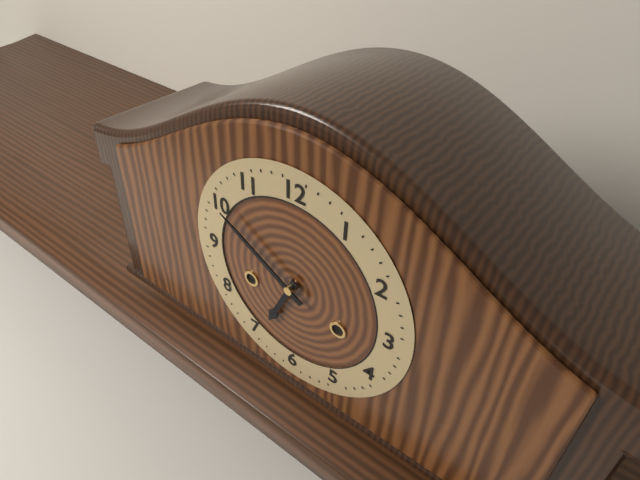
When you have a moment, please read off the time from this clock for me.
6:50
